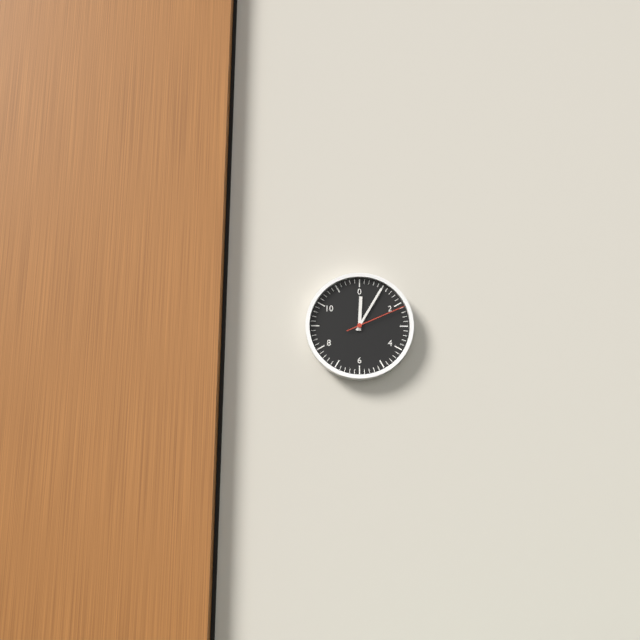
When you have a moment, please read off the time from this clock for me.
12:05:11
